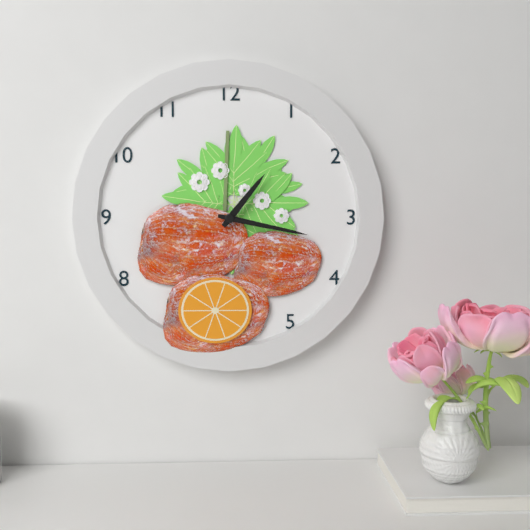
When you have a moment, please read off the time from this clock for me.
1:17
